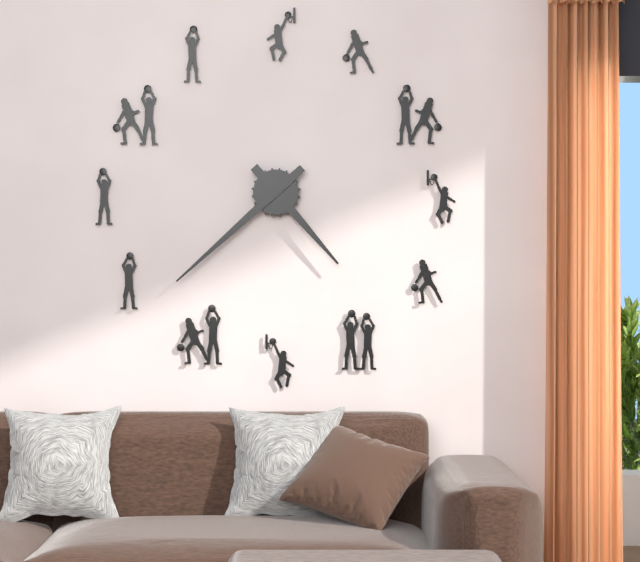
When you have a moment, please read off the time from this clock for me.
4:38
